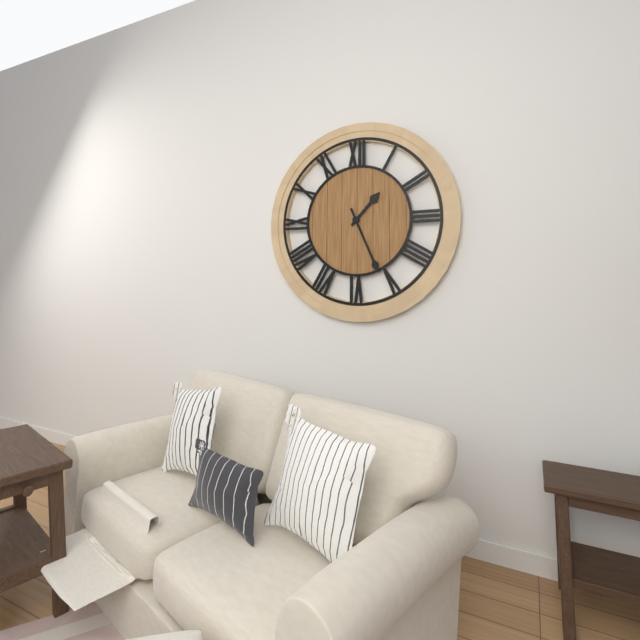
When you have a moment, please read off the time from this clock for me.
1:26
